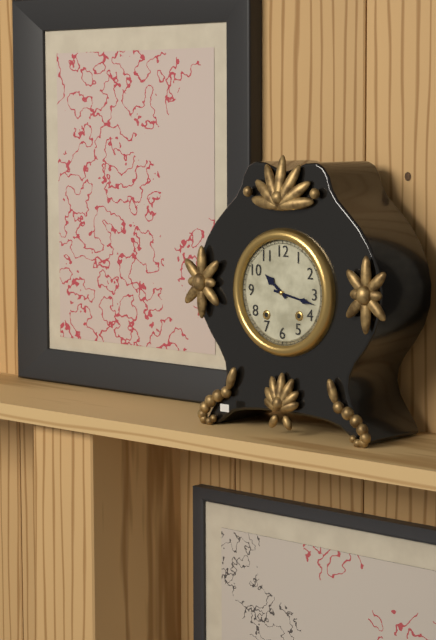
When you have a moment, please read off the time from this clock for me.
10:17
